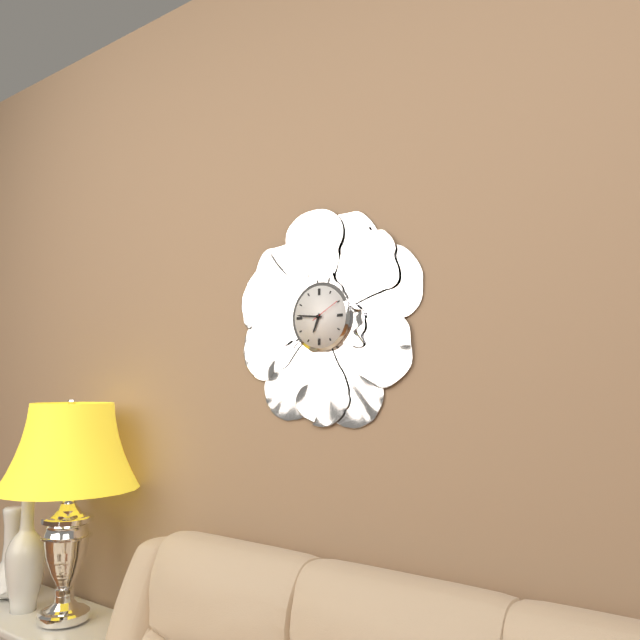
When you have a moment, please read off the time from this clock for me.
6:46
